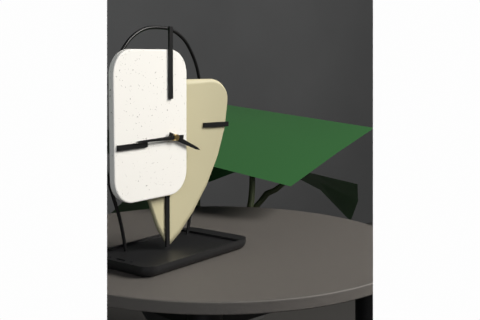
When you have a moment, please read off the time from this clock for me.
3:45
